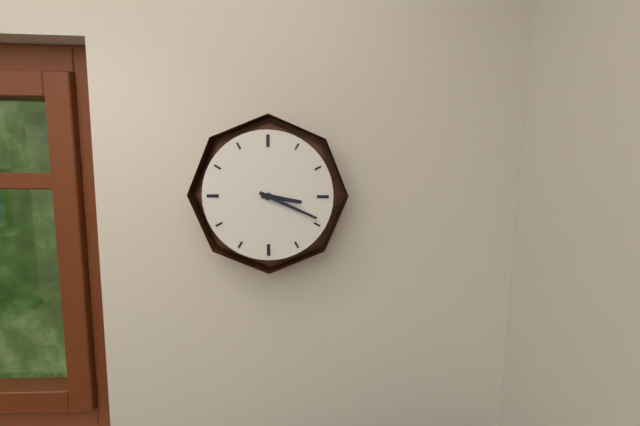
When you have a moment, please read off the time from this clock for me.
3:19
